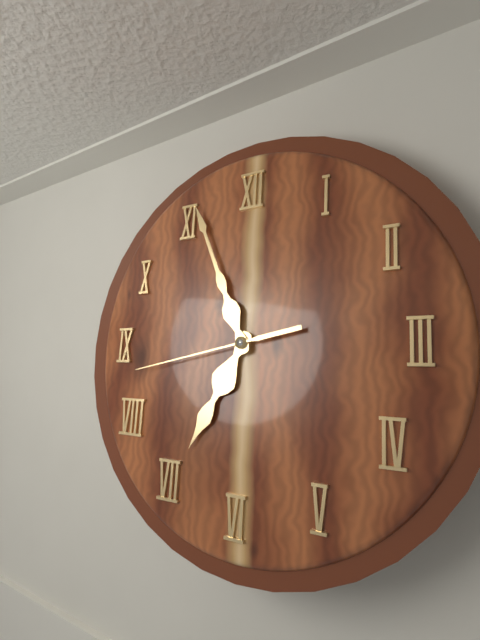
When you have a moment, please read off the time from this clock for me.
6:56:43
